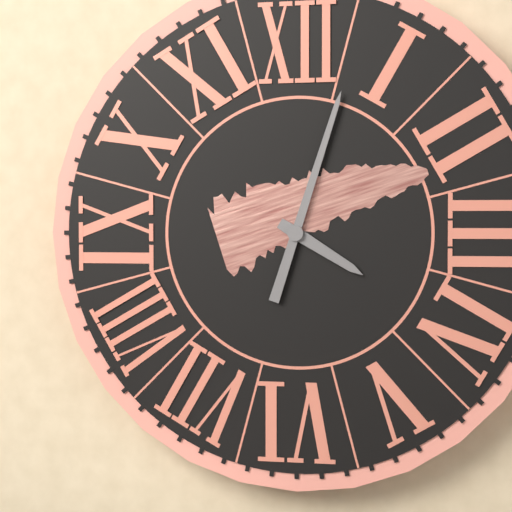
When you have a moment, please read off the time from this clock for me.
4:03
